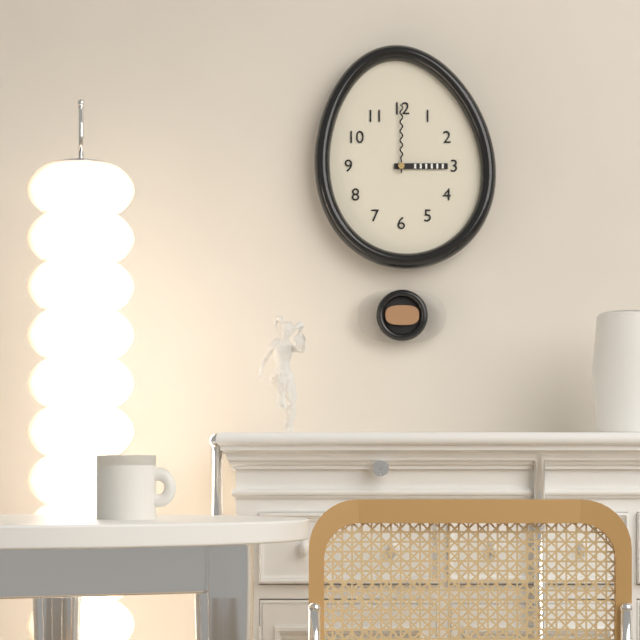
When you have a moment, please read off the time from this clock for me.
3:00
